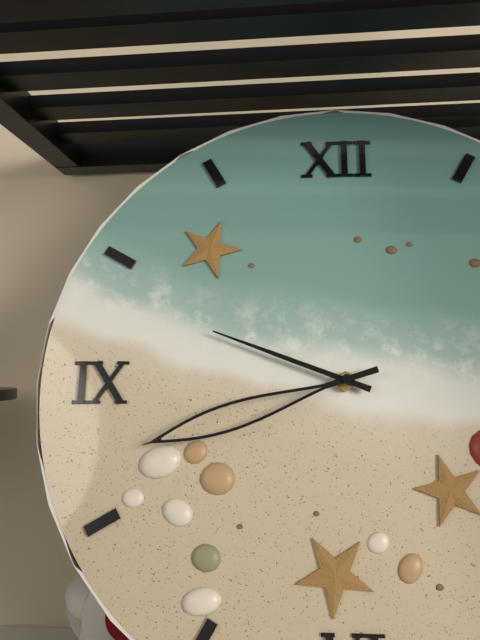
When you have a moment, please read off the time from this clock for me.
9:42
